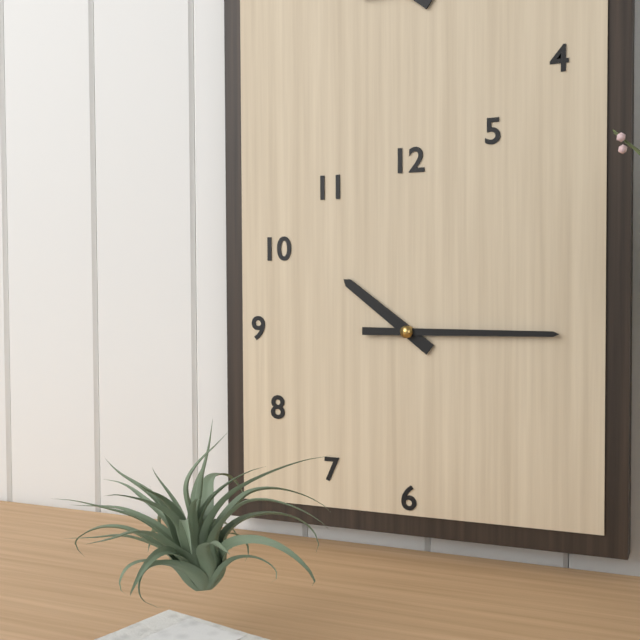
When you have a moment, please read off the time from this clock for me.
10:15
